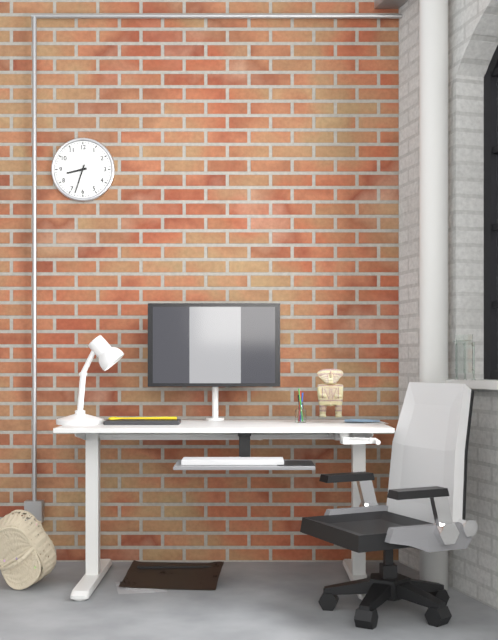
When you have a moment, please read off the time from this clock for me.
8:33
